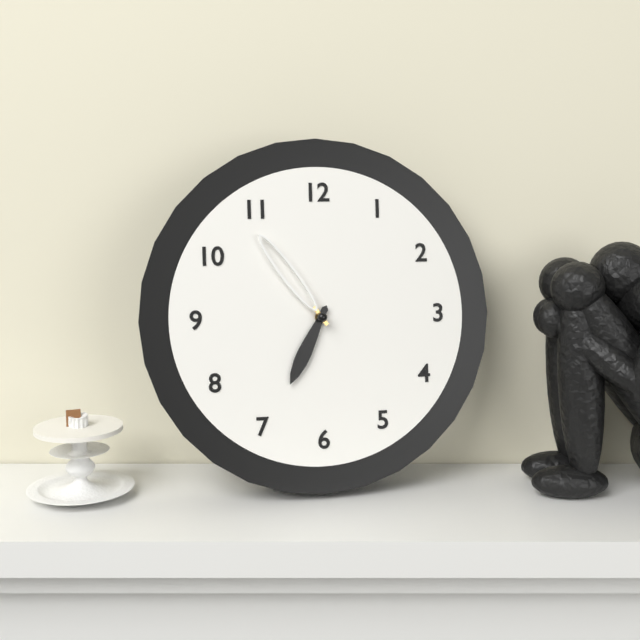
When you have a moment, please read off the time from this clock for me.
6:54
